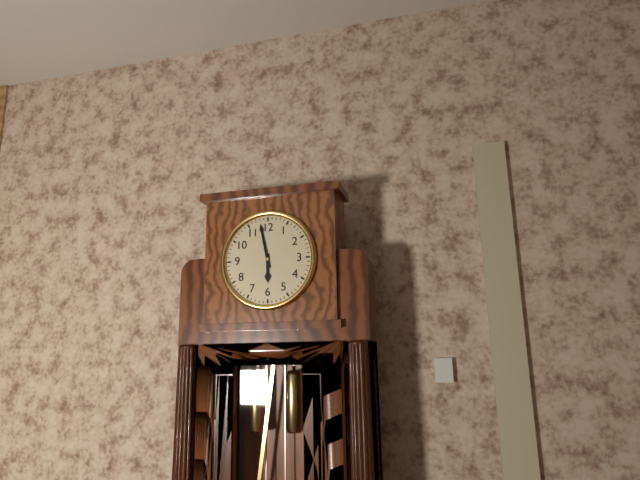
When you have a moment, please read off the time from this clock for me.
5:58
